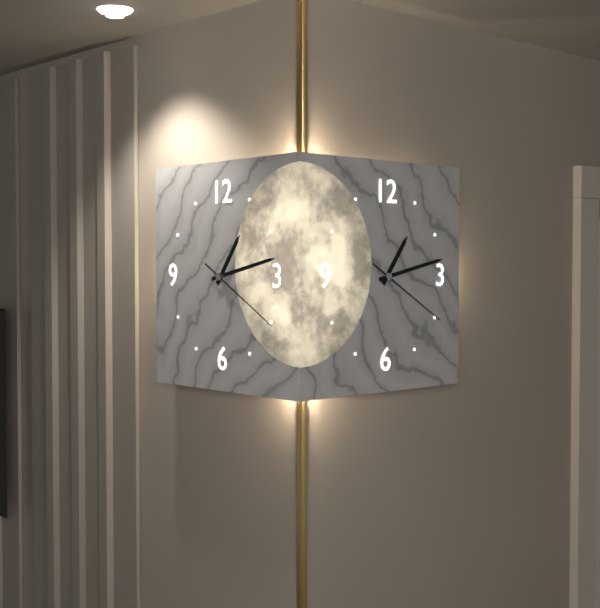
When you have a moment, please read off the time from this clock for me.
1:13:20
